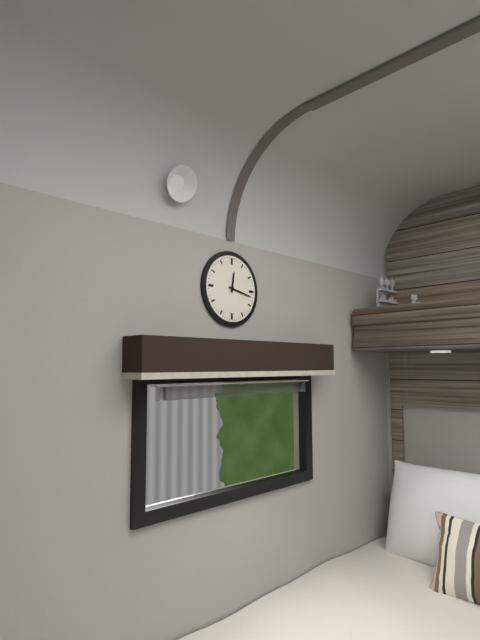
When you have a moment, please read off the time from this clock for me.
12:17
